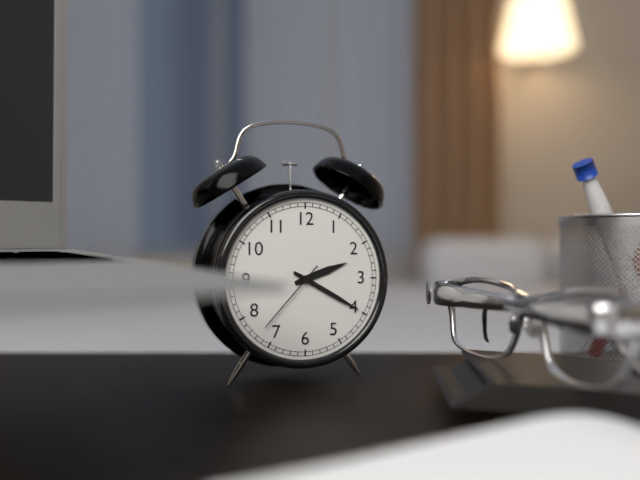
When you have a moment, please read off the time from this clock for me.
2:20:37
